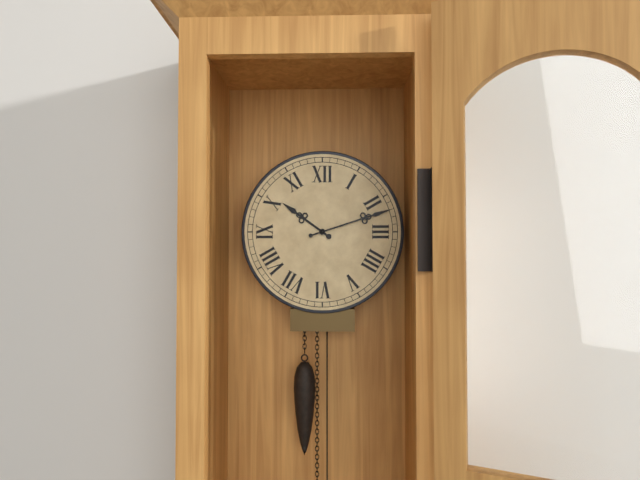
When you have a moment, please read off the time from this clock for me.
10:12
